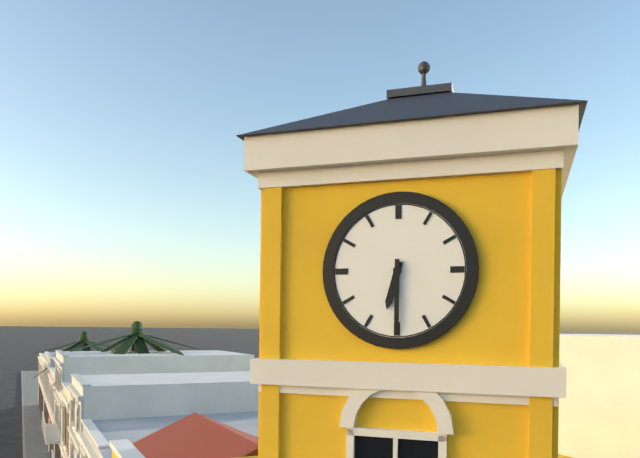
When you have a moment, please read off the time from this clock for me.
6:30
